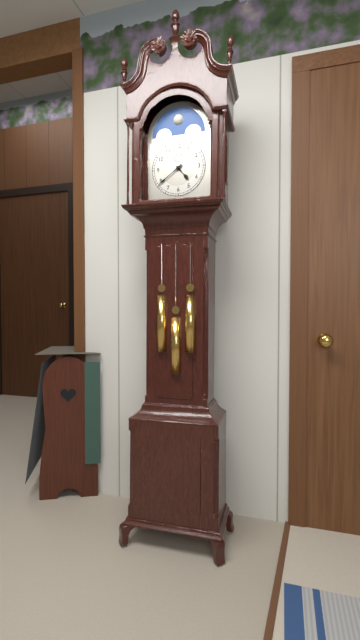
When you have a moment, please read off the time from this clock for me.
4:39
